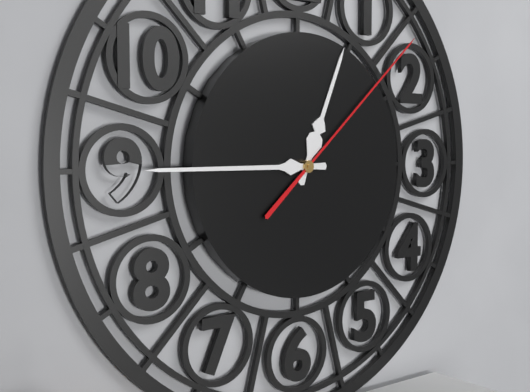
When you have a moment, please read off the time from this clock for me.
12:45:08
